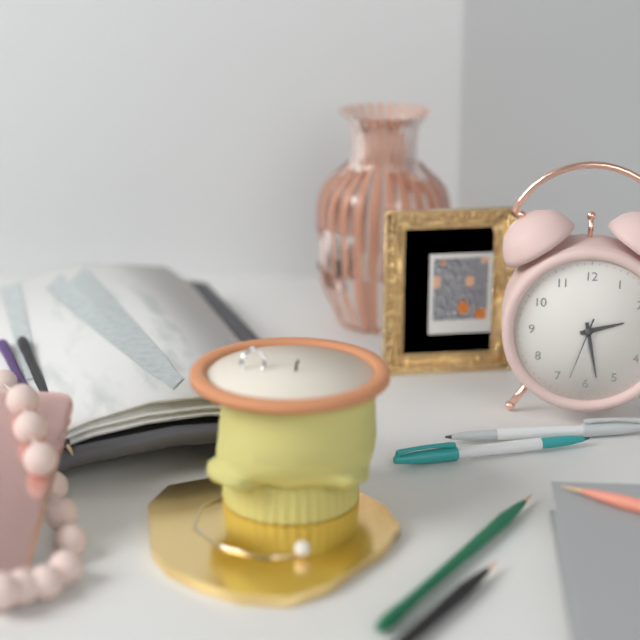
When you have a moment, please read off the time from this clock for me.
2:28:33
